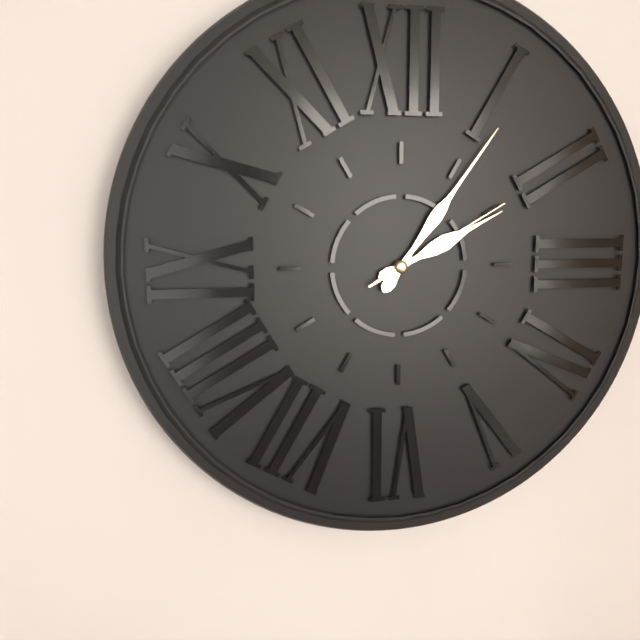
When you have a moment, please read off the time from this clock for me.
2:06:10
